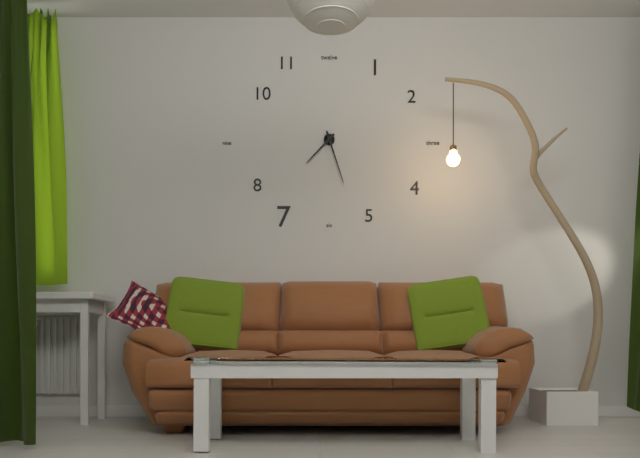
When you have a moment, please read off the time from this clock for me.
7:27
